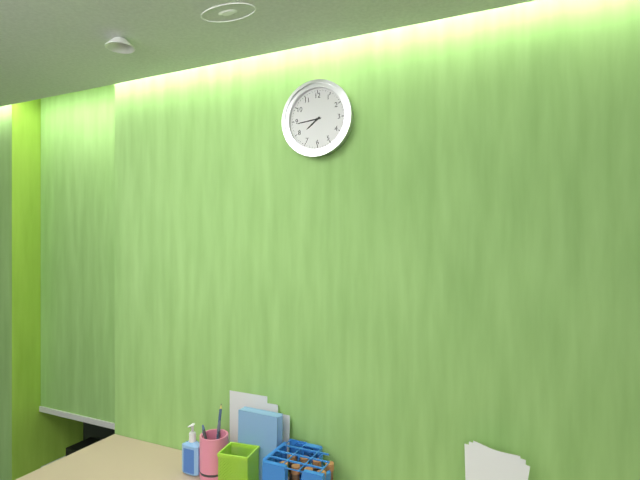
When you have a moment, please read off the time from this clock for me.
7:44
